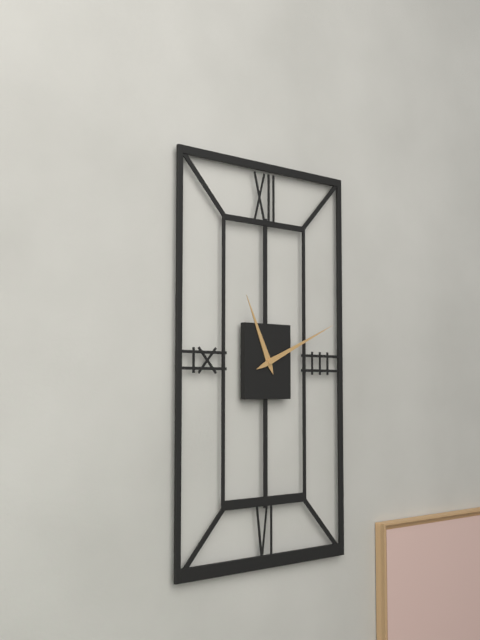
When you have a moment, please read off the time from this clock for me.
11:11
